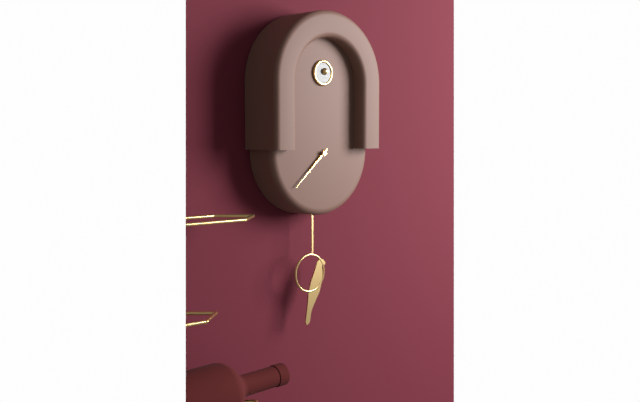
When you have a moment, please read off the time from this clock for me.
7:38
